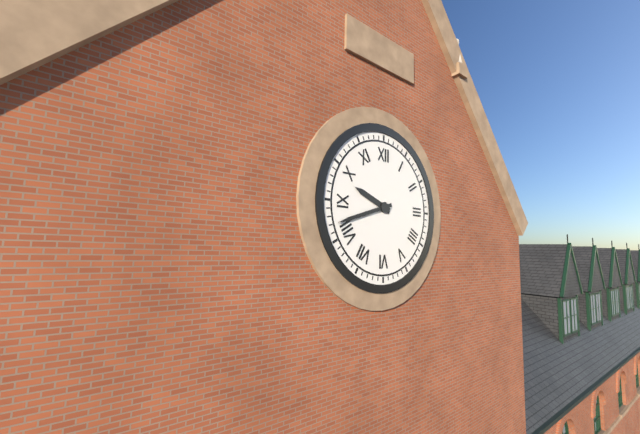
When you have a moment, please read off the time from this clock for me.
9:42
